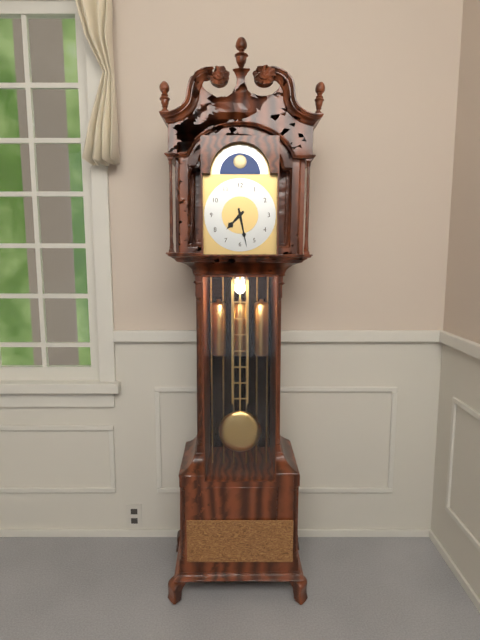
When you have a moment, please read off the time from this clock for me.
7:28
